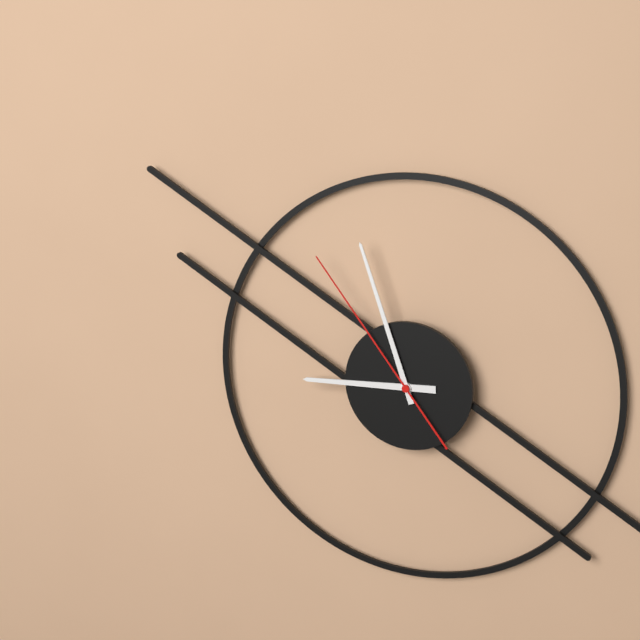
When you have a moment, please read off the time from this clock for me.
8:57:54
